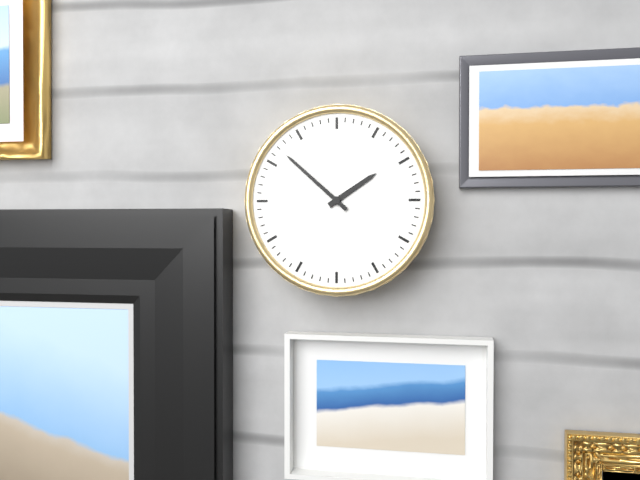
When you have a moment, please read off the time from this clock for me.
1:52
